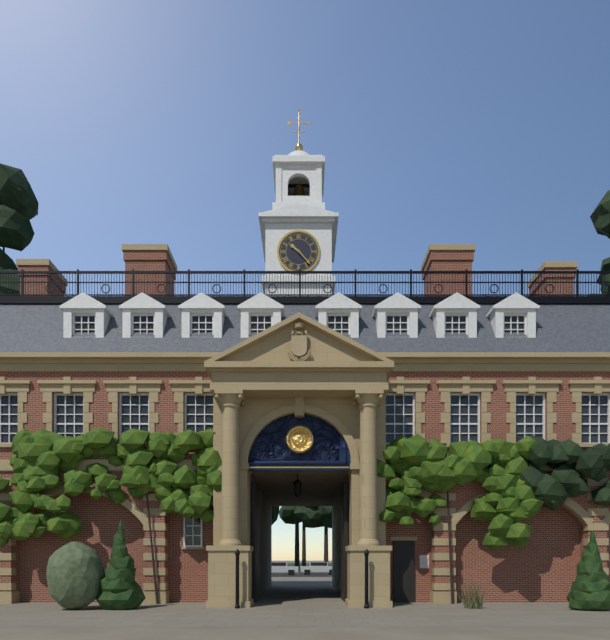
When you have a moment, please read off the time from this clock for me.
10:23
